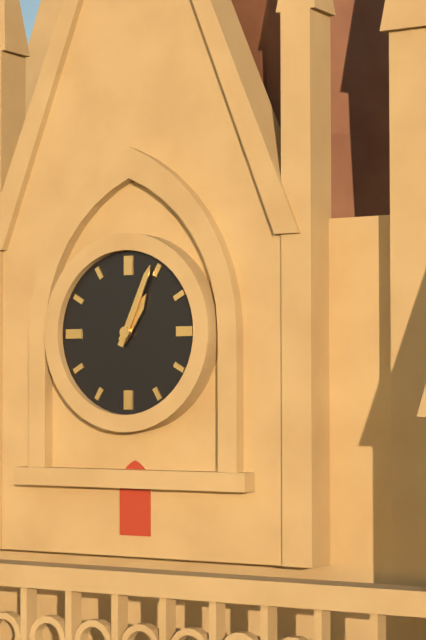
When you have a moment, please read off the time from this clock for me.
1:04
